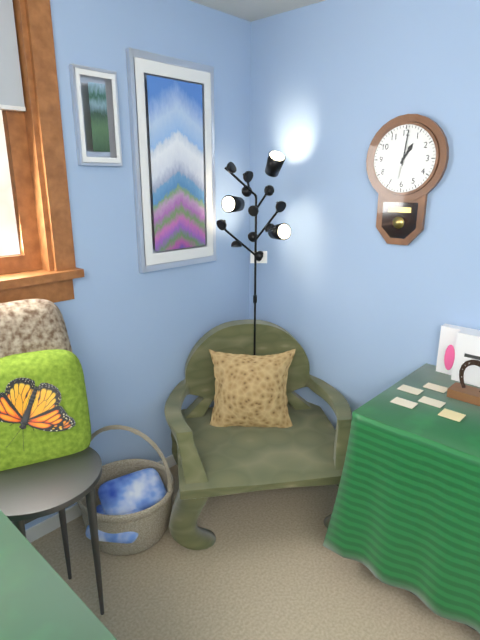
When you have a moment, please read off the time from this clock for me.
1:01
